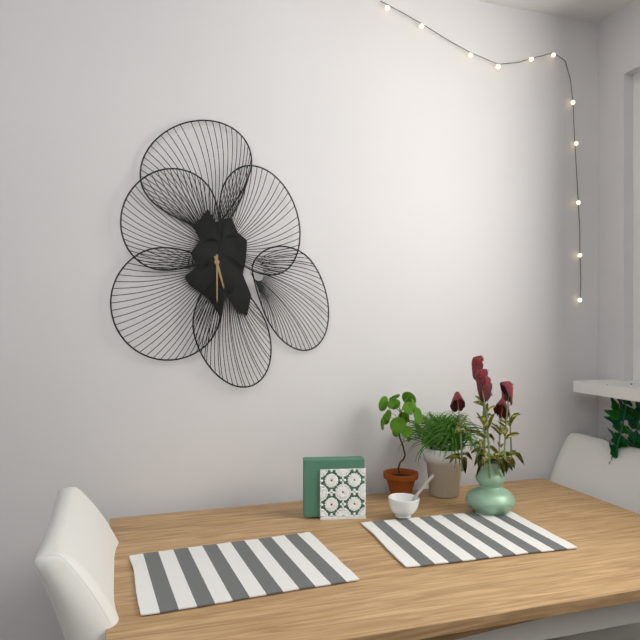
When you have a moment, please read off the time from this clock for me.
5:30
